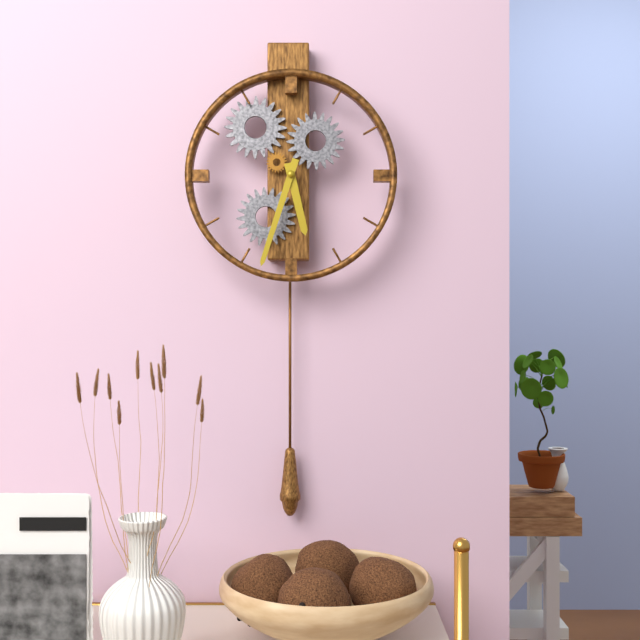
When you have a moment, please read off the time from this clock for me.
5:33
